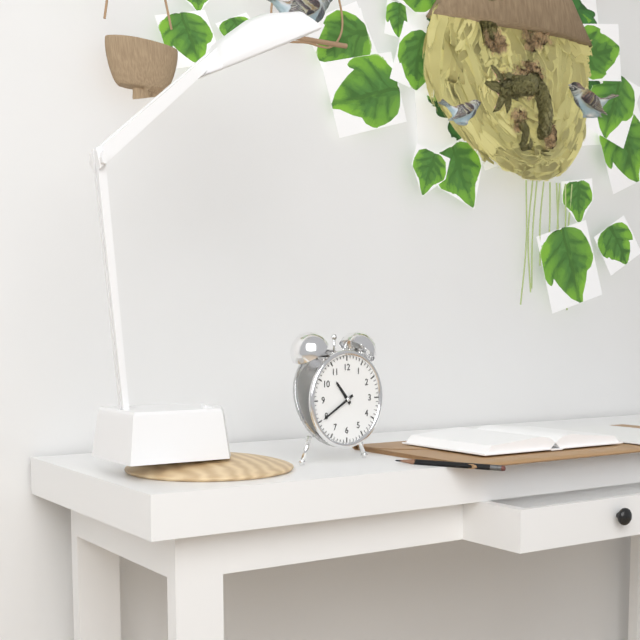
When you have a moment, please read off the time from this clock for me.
10:40
